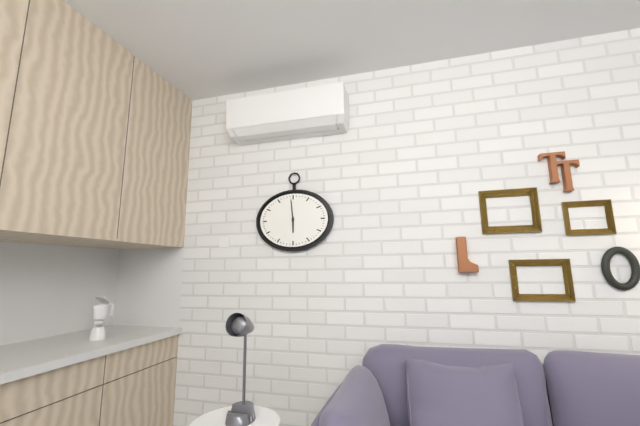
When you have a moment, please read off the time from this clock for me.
5:59
